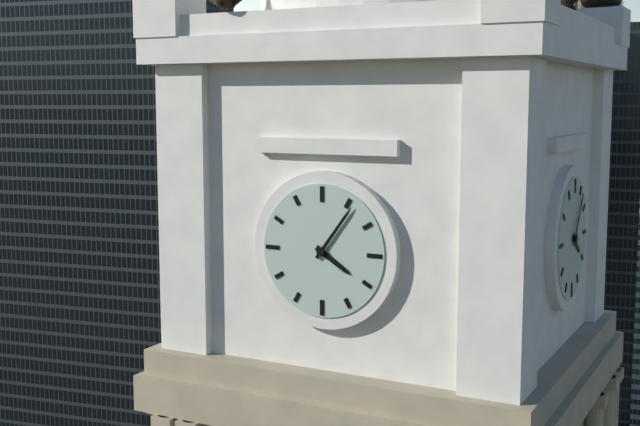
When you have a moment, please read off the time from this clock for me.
4:06
